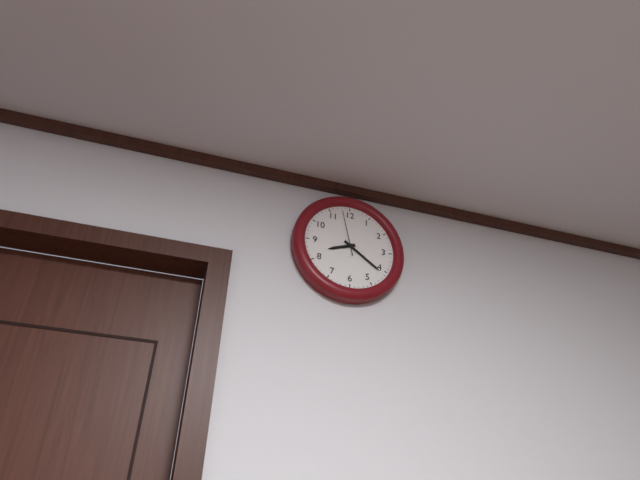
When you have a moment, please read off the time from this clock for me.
8:21
